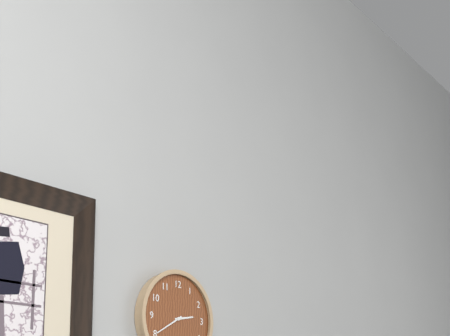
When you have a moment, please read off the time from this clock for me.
2:40
